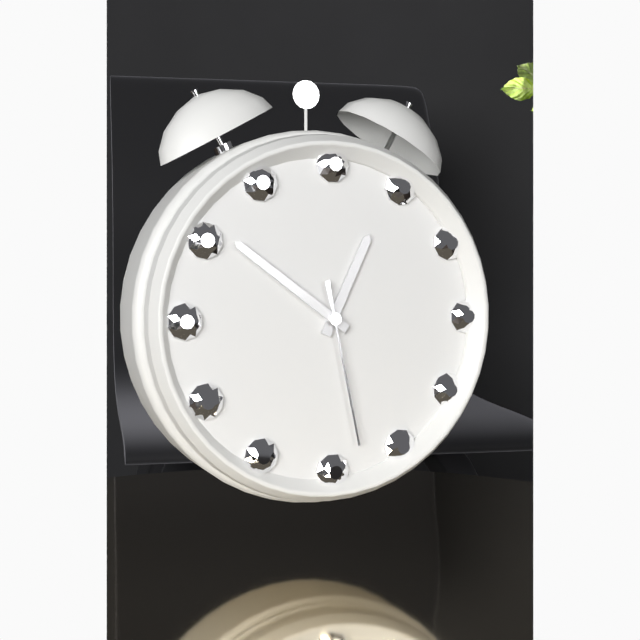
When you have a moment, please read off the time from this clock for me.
12:51:28
